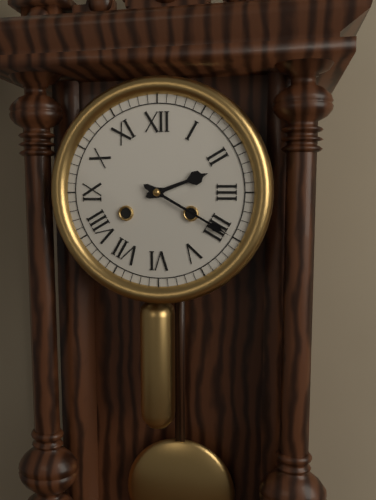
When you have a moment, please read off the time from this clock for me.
2:20
